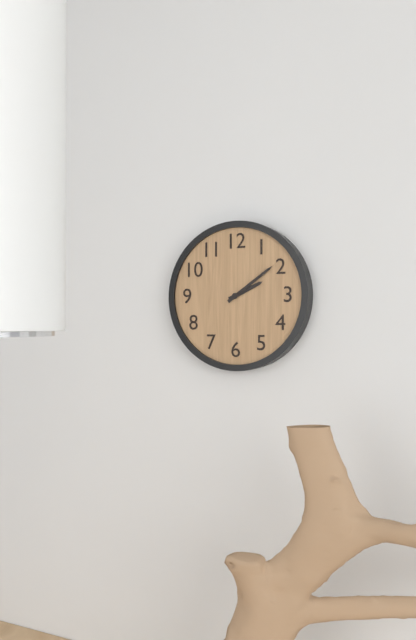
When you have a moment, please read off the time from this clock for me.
2:09
